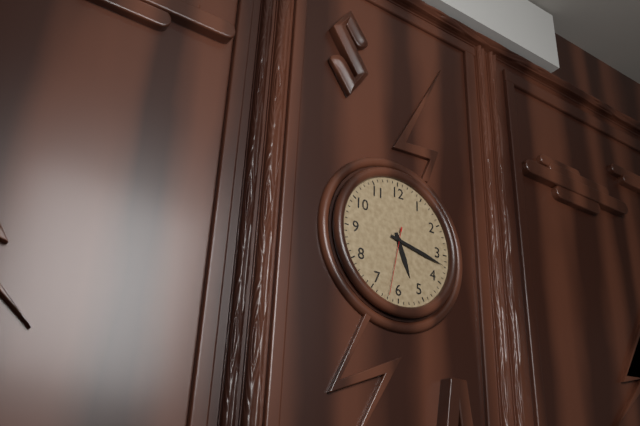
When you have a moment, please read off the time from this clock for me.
5:17:32
